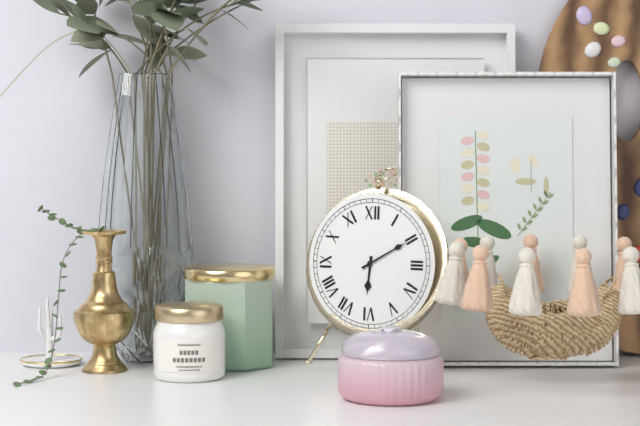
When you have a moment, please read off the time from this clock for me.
6:10
